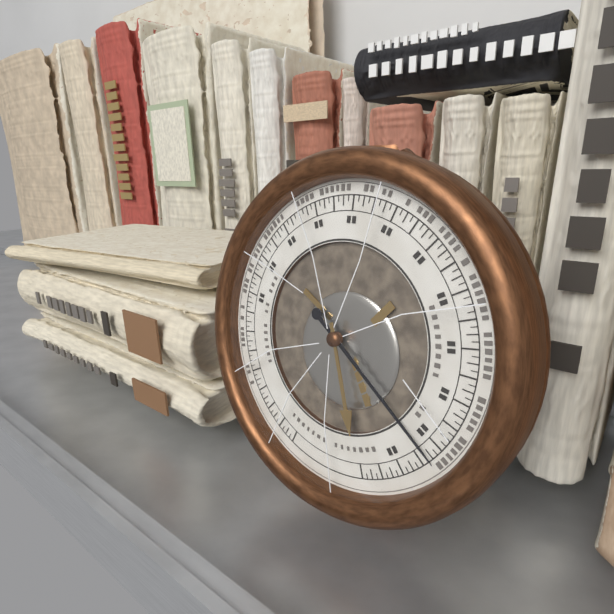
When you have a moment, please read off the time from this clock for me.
5:21
